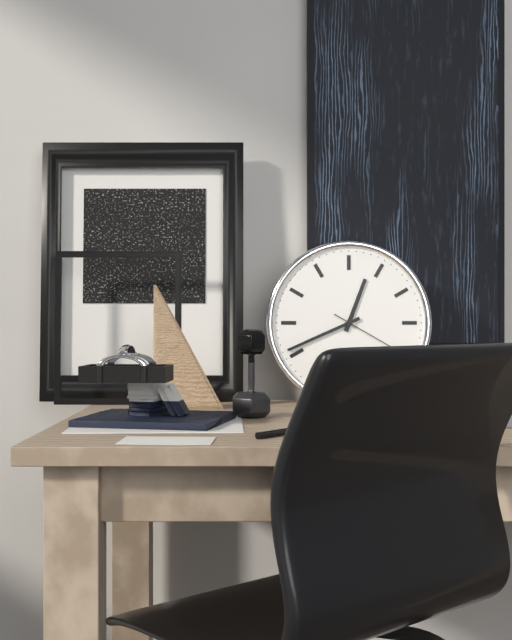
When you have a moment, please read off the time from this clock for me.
12:41
